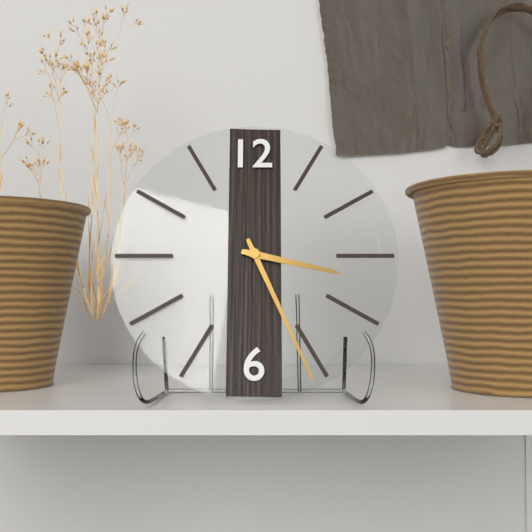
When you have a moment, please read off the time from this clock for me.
3:26
